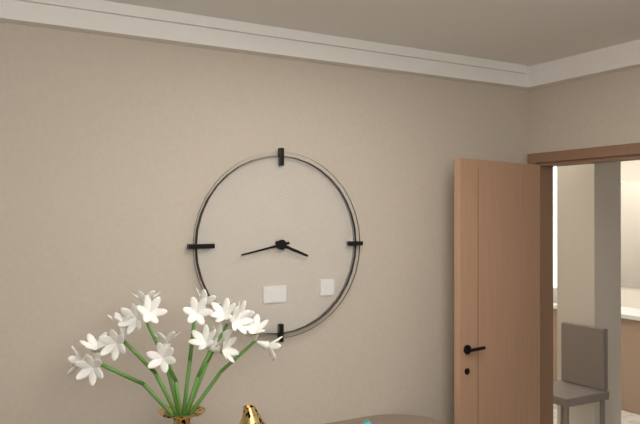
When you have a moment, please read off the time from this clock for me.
3:43
